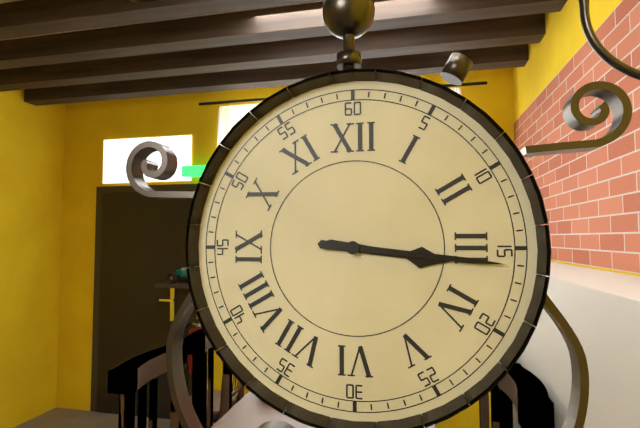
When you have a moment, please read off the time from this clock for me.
3:16
